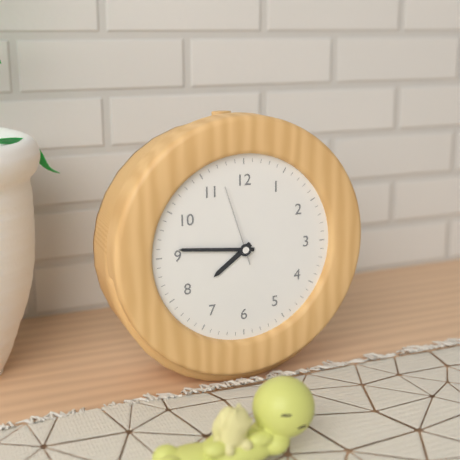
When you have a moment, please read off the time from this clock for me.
7:46:57
